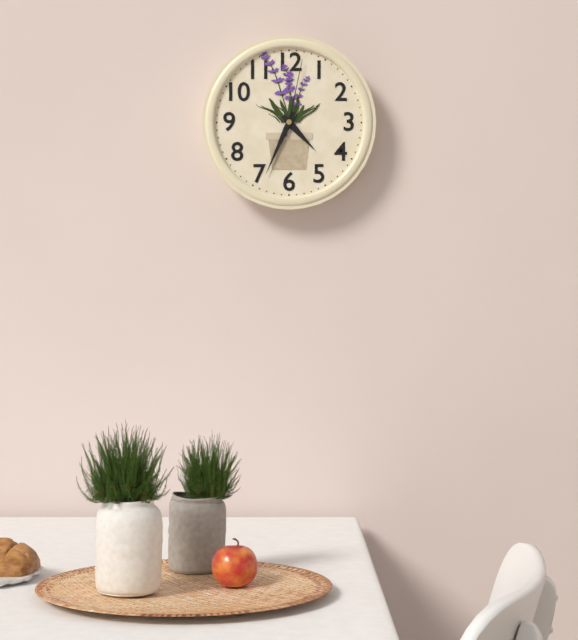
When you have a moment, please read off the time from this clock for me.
4:34:02
